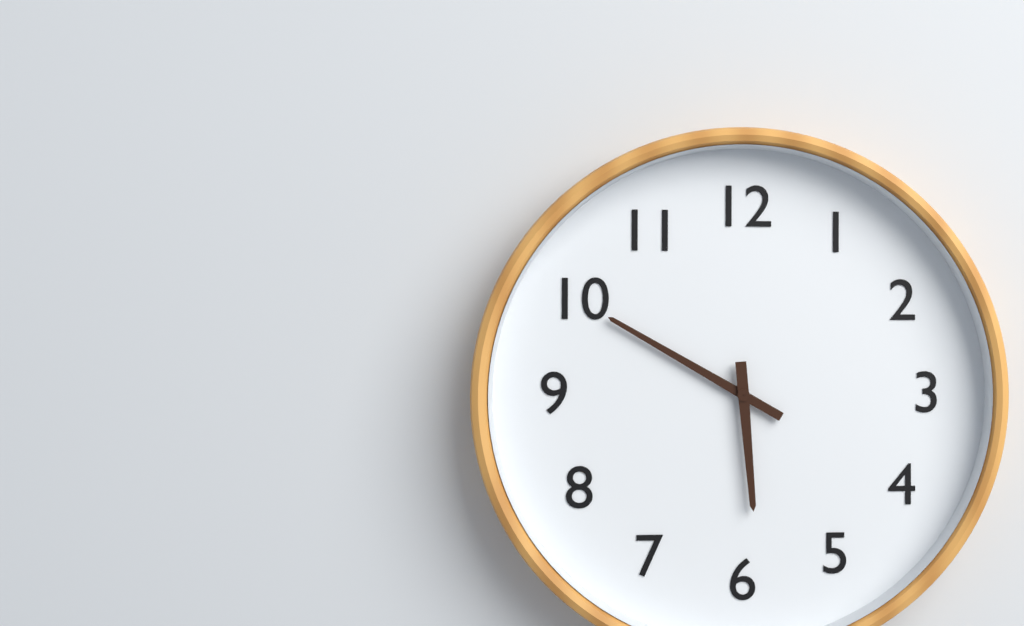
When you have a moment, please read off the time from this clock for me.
5:50
